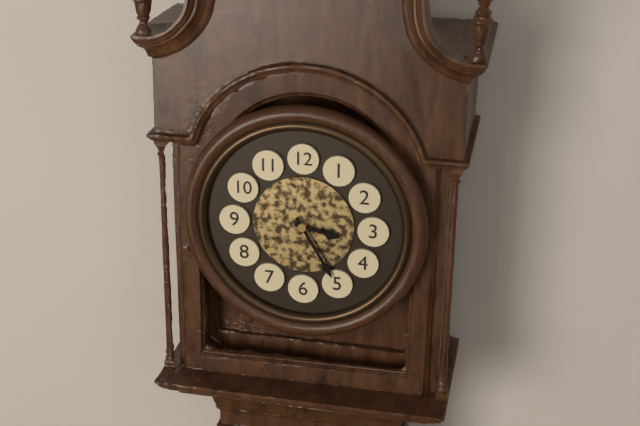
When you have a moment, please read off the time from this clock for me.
3:25
